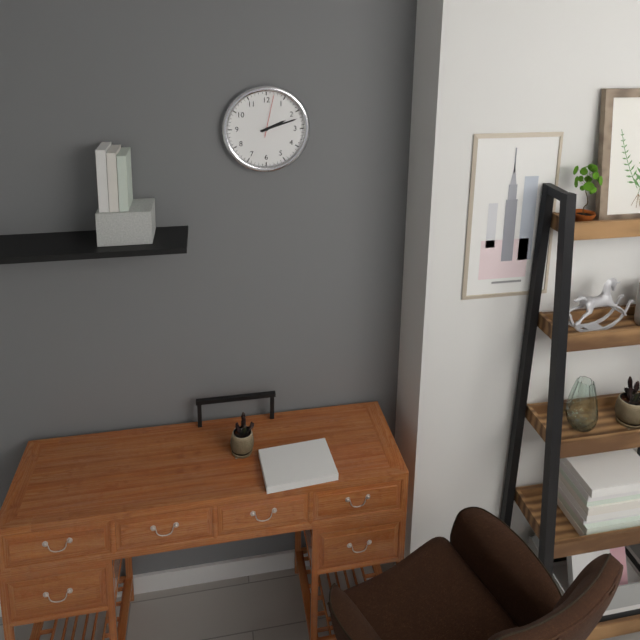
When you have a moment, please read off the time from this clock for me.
2:12
